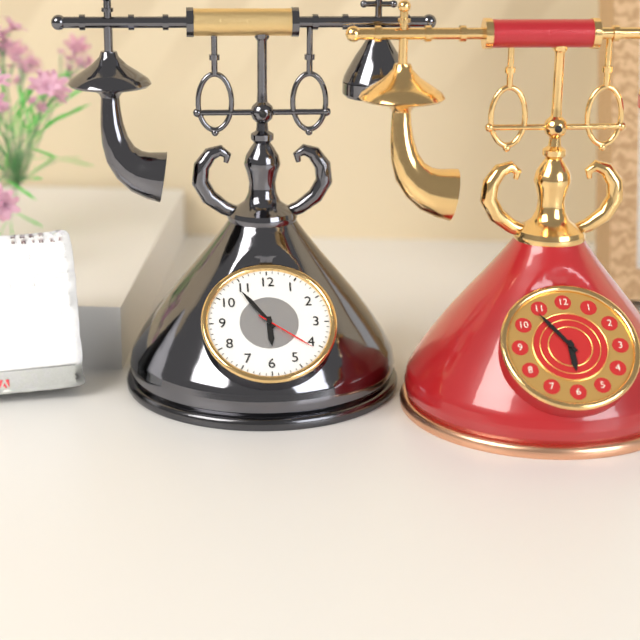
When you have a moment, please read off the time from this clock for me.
5:54:21
